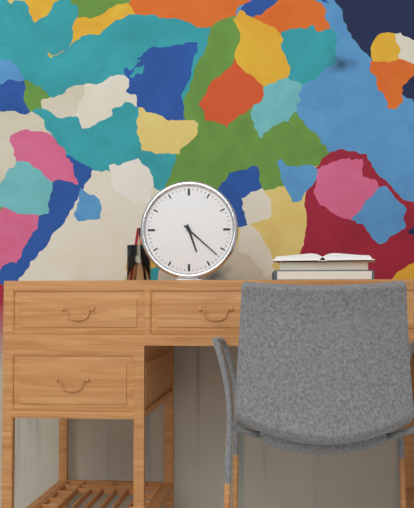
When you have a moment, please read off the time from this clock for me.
5:22
